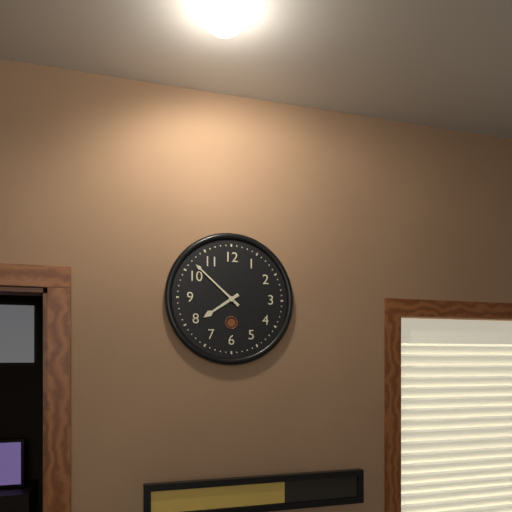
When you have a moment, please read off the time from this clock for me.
7:52
